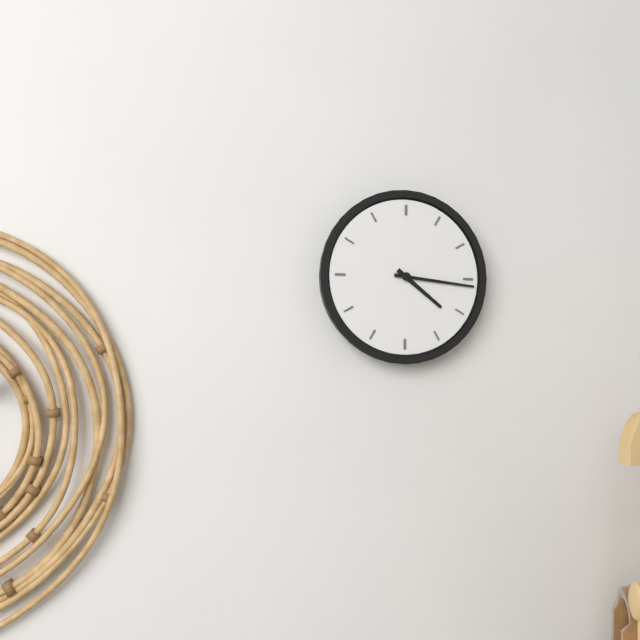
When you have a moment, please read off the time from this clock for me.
4:16
